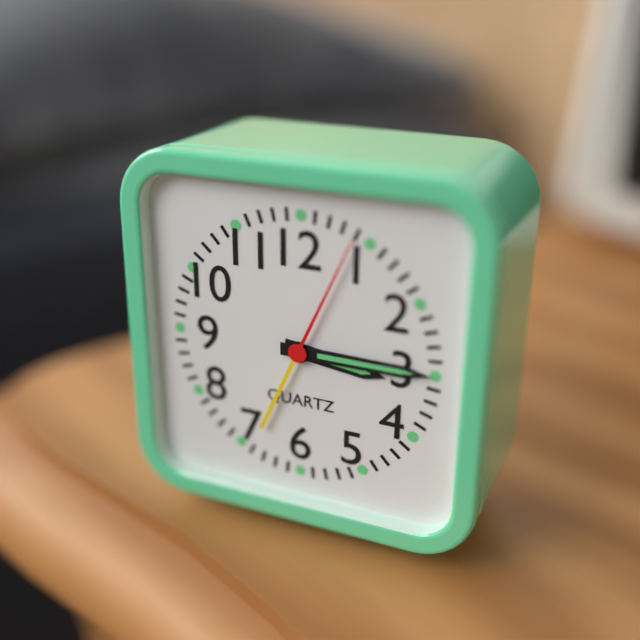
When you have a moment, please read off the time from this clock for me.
3:15:04
